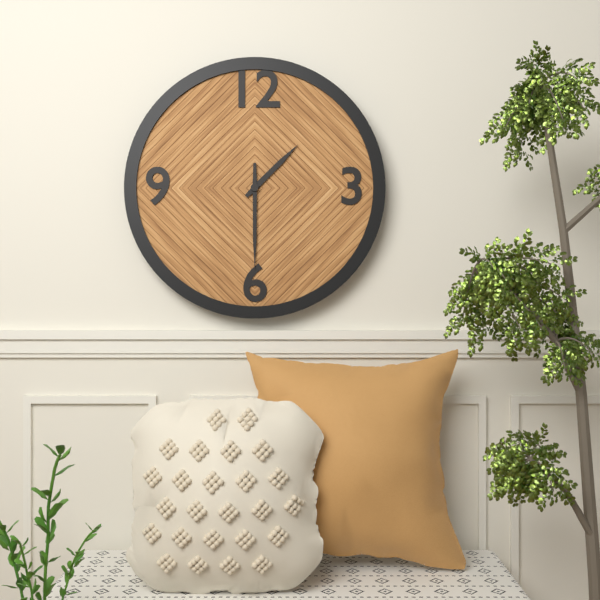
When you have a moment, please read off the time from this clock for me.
1:30
